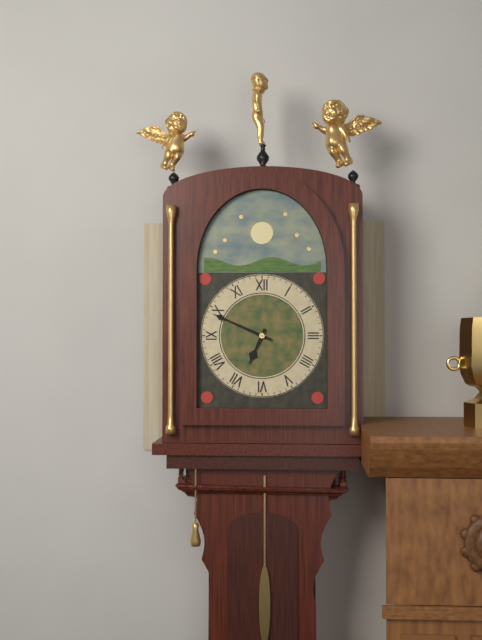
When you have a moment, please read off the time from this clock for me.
6:49
